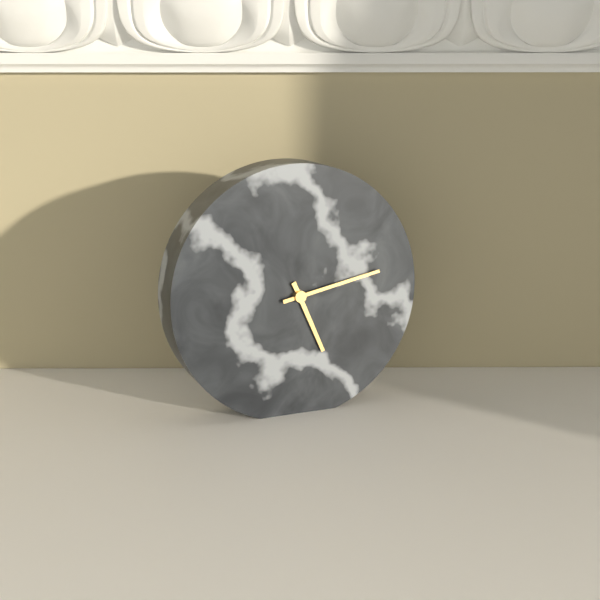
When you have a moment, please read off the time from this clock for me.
5:13
